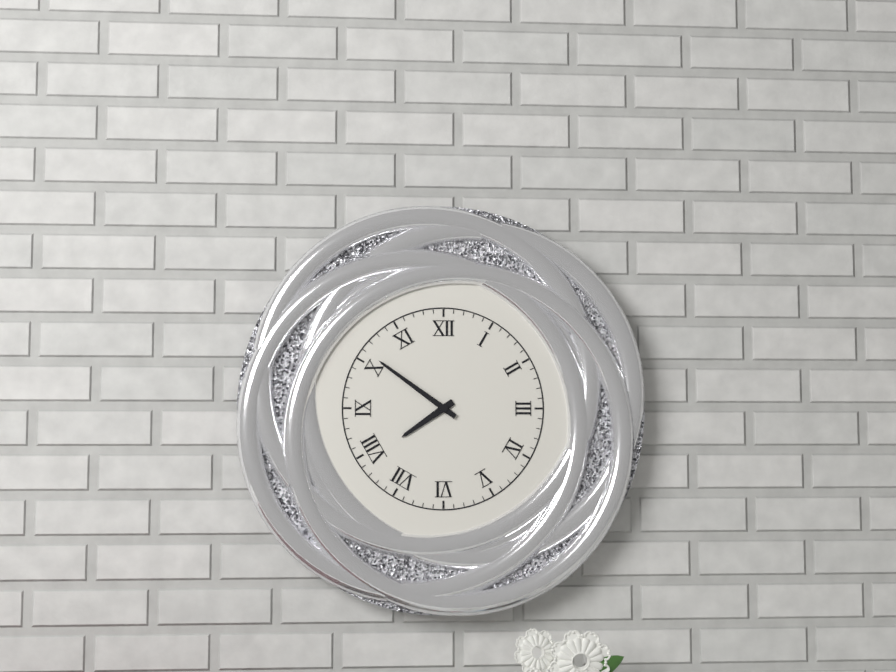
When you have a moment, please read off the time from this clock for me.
7:51
